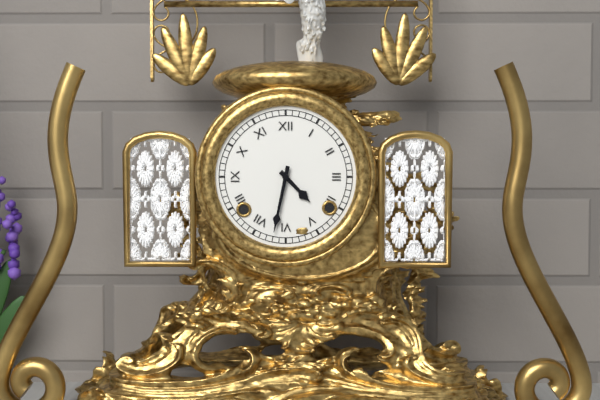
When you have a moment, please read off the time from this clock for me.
4:32
